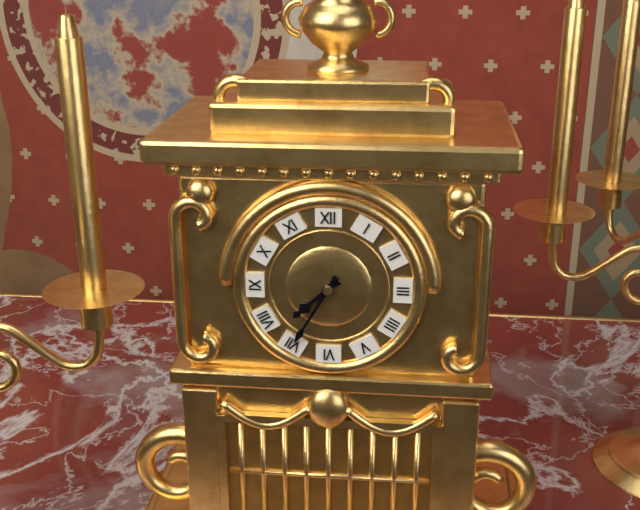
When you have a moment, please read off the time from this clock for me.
7:35
